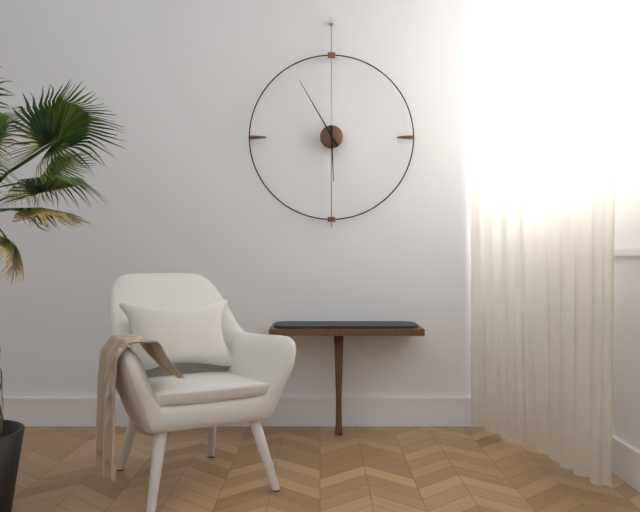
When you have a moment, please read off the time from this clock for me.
5:55
